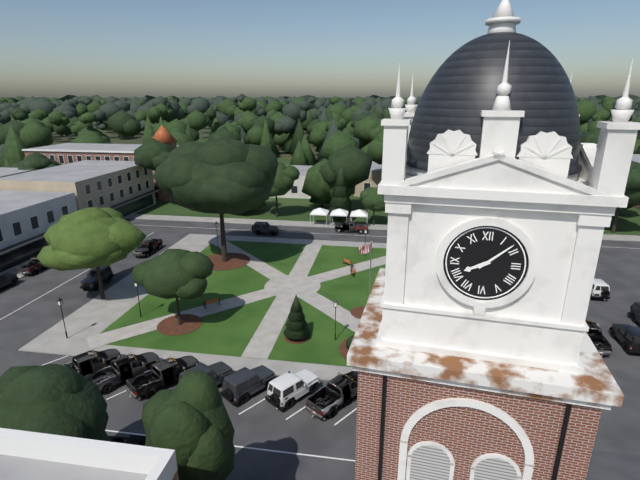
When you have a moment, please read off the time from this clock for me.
8:08
